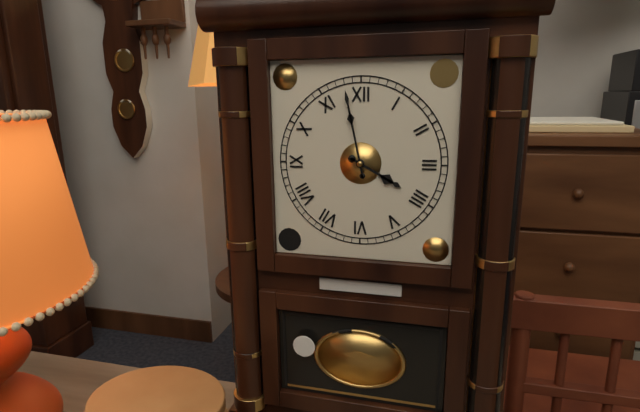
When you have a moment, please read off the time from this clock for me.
3:58
